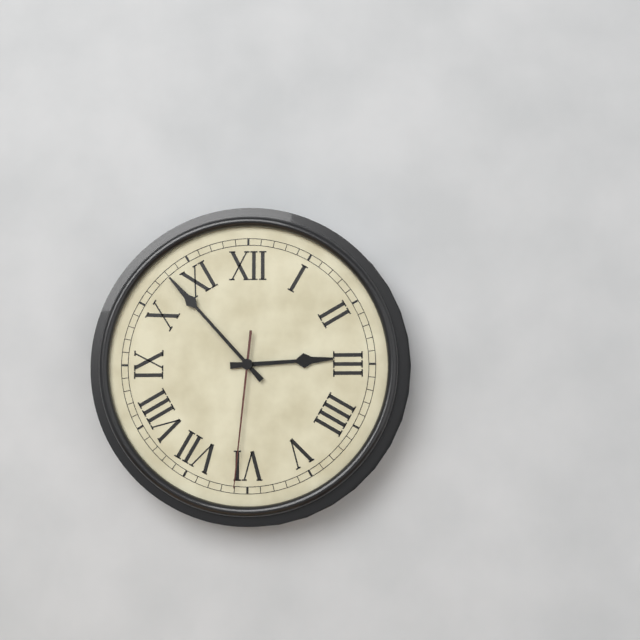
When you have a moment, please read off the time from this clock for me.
2:53:31
